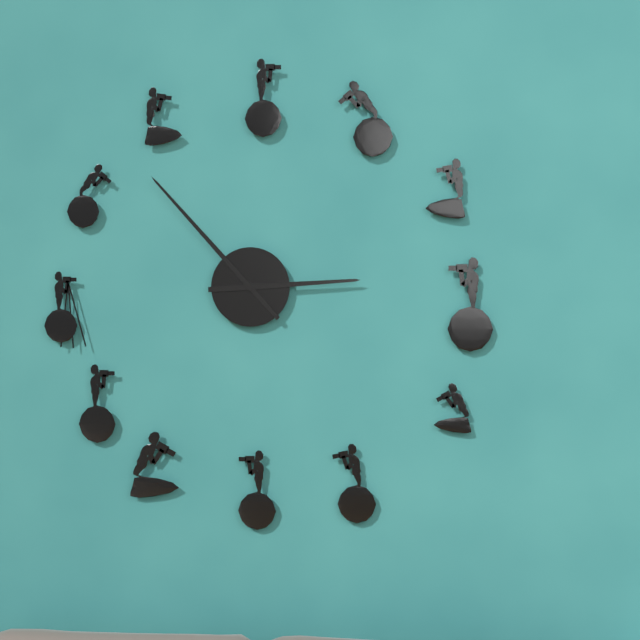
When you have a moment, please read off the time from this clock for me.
2:53
